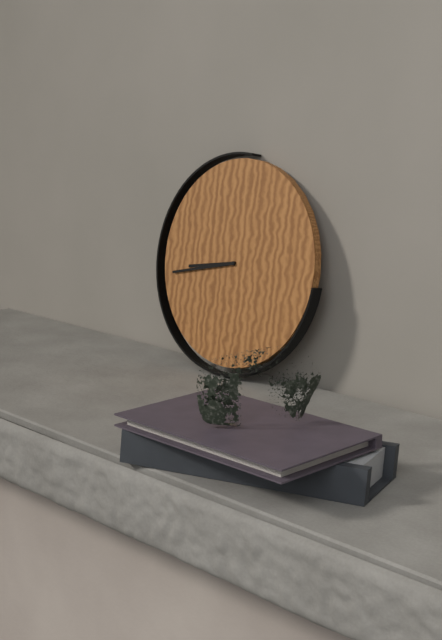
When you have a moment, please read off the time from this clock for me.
8:43
